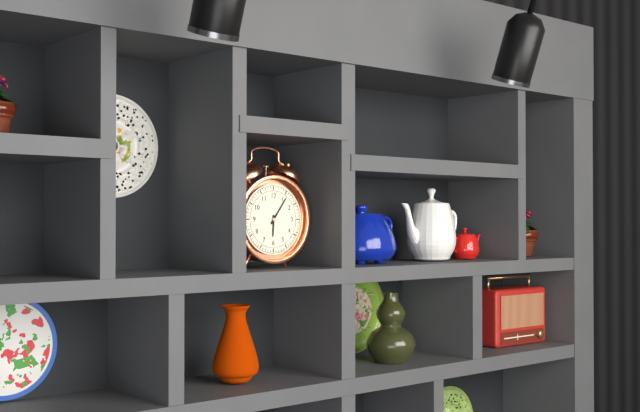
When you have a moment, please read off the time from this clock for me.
6:06
